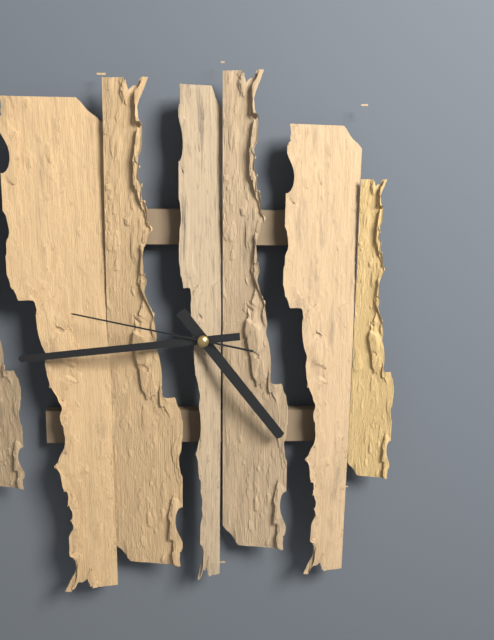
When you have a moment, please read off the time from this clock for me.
4:44:47
